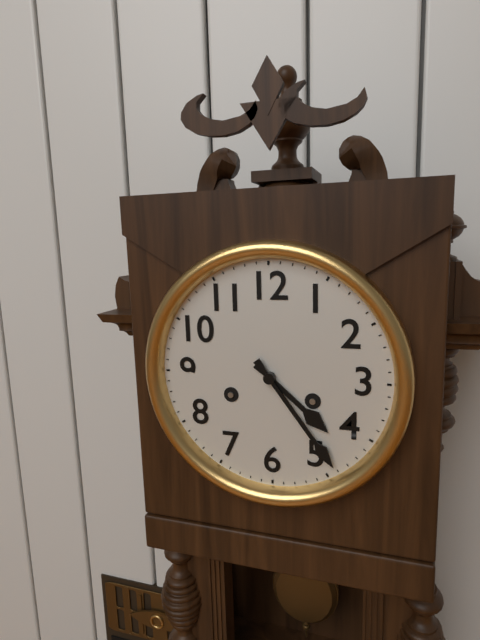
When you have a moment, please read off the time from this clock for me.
4:24
